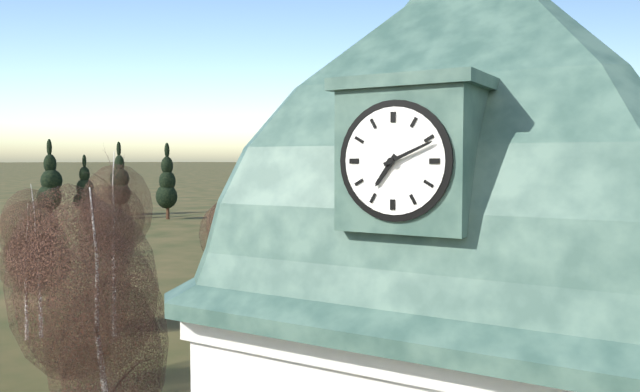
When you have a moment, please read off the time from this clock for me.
7:11
